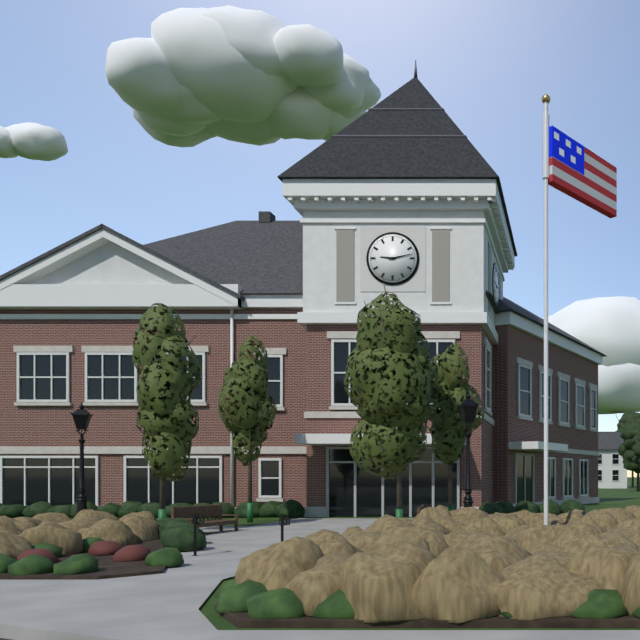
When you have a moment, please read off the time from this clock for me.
9:13
